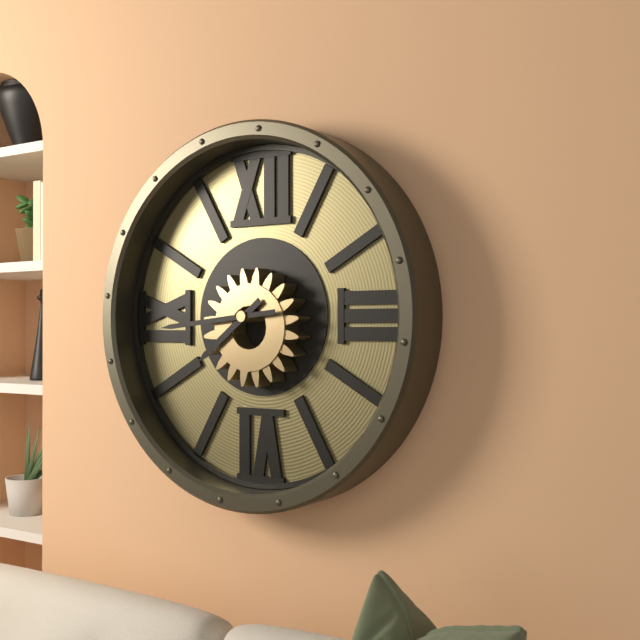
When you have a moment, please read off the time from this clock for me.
7:44
